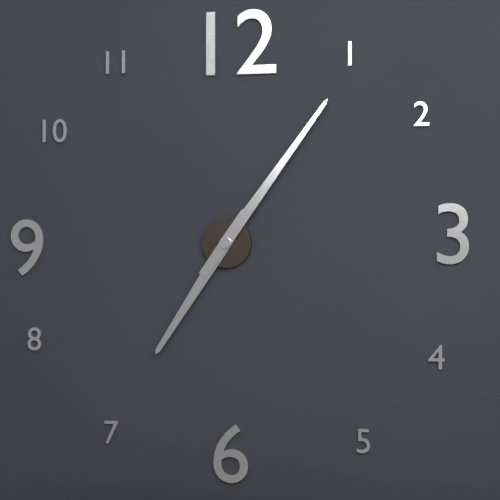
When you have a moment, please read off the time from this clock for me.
7:06
